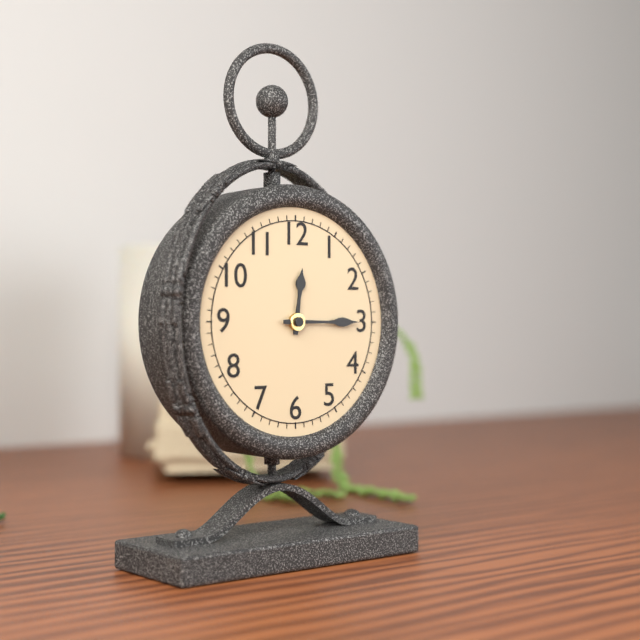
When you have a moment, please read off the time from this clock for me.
12:15
